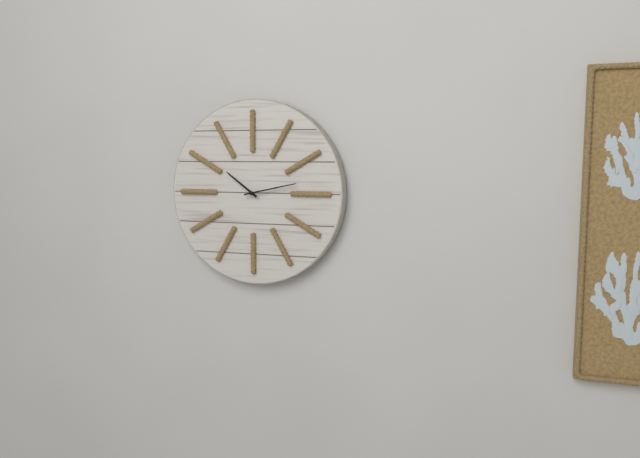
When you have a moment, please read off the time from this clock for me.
10:13
